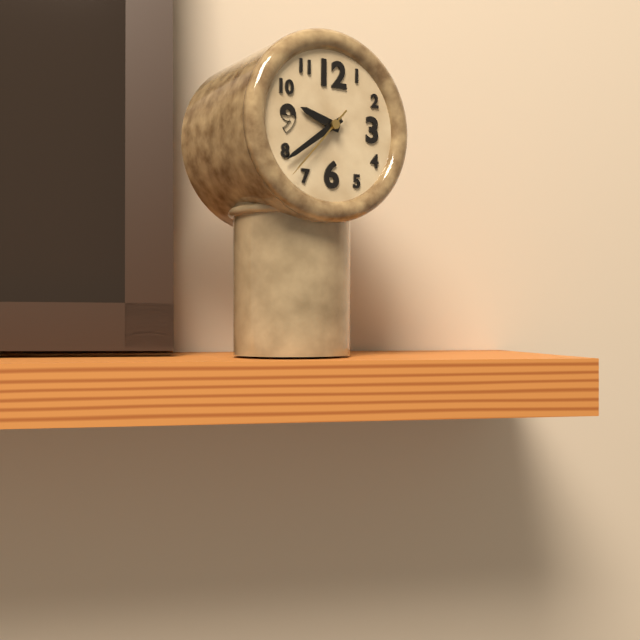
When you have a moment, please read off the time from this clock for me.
9:39:37
